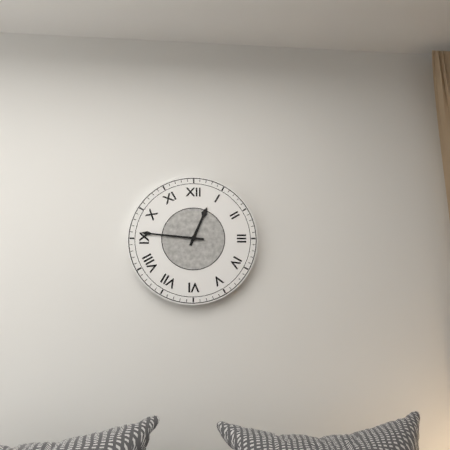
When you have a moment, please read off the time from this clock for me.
12:46
